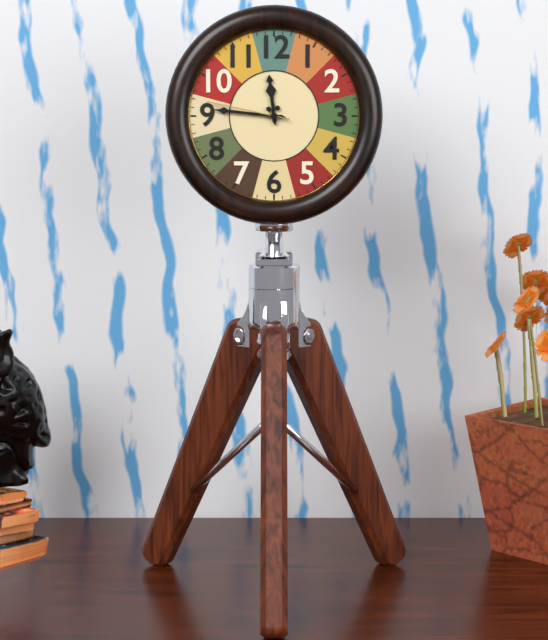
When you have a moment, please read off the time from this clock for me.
11:46:47
